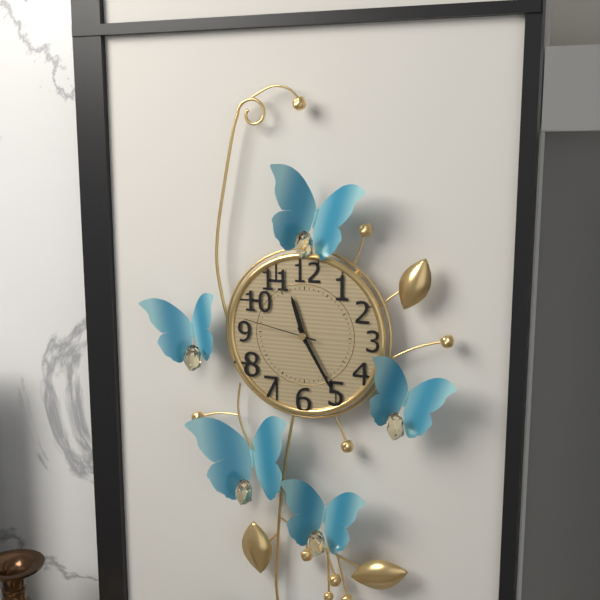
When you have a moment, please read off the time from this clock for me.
11:25:47
